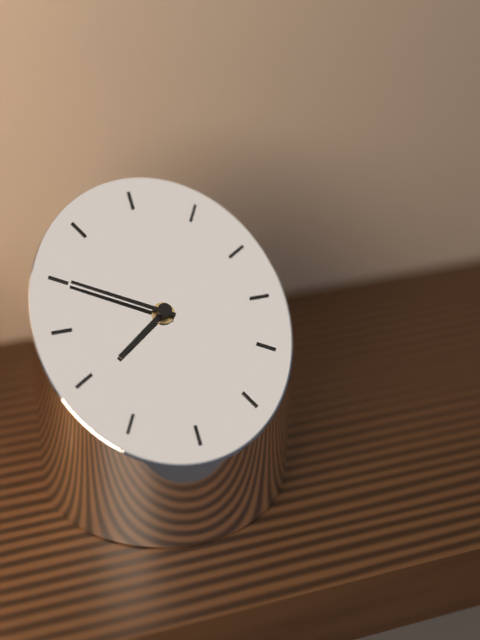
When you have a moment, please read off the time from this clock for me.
7:50
